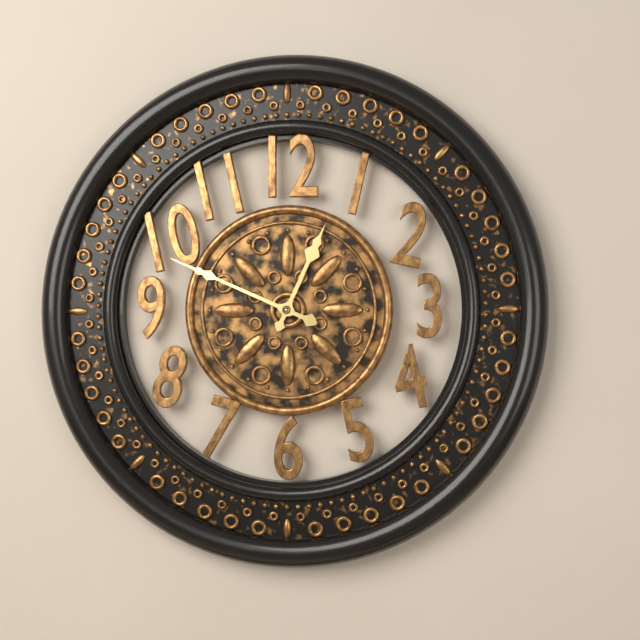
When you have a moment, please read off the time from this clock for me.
12:49
